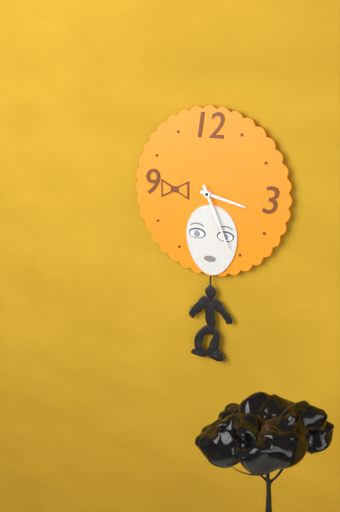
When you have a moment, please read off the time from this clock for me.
3:26
